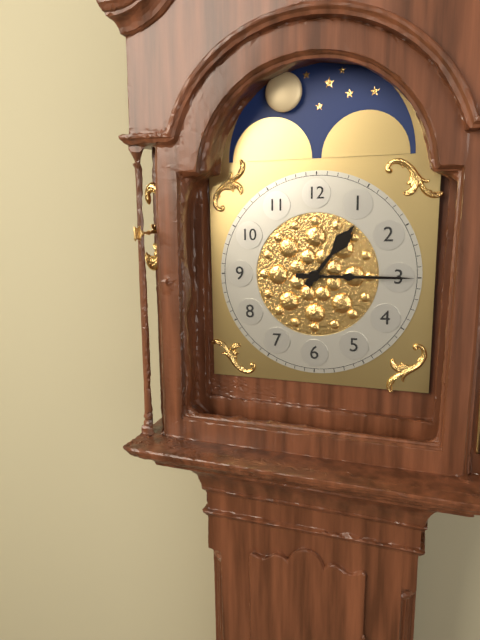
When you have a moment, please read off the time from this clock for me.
1:15
